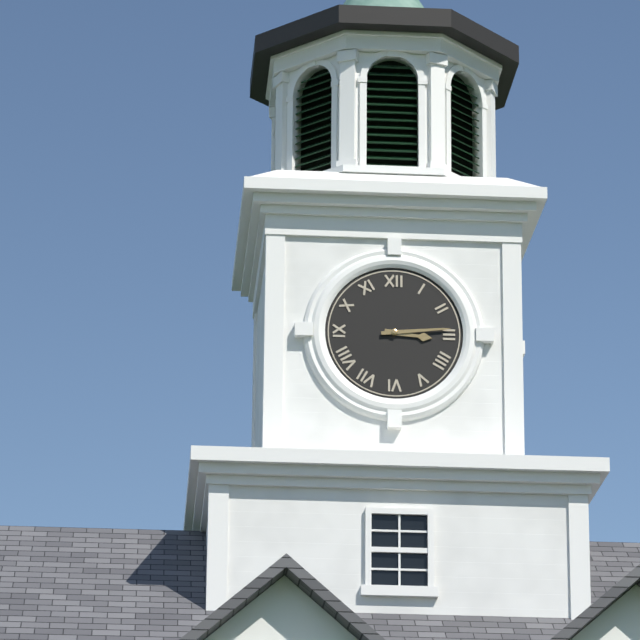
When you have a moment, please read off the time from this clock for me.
3:14
